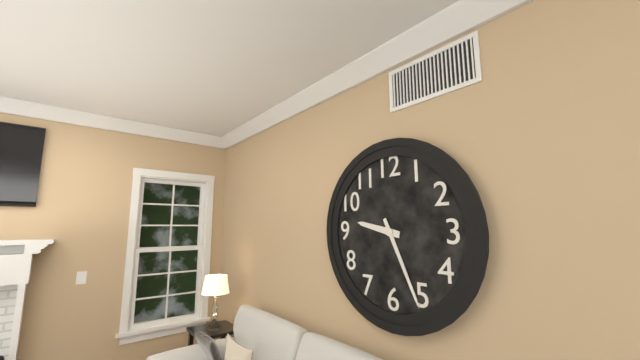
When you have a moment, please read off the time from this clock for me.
9:26
